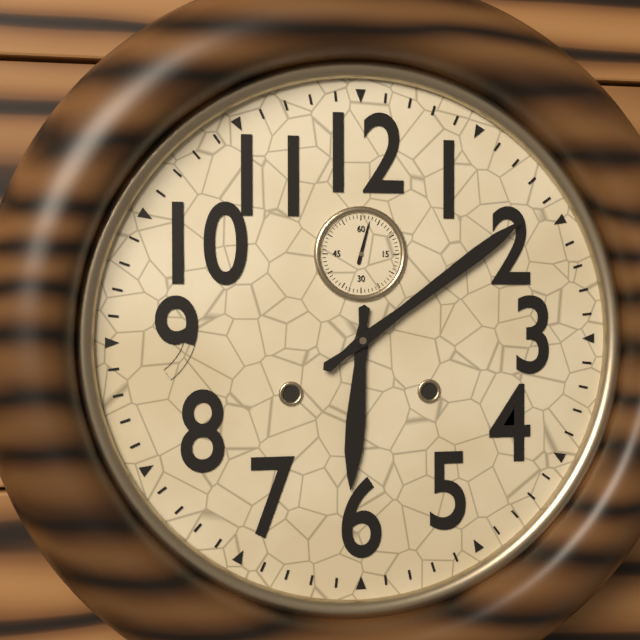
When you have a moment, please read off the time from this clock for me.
6:09
